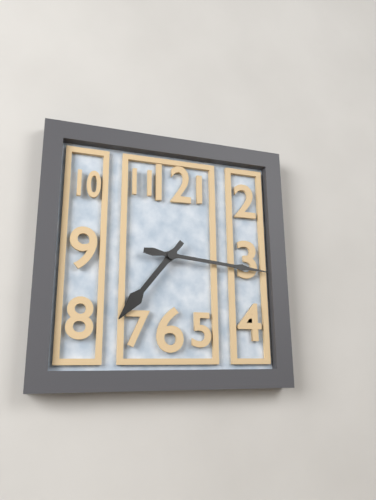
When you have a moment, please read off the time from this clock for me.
7:16
